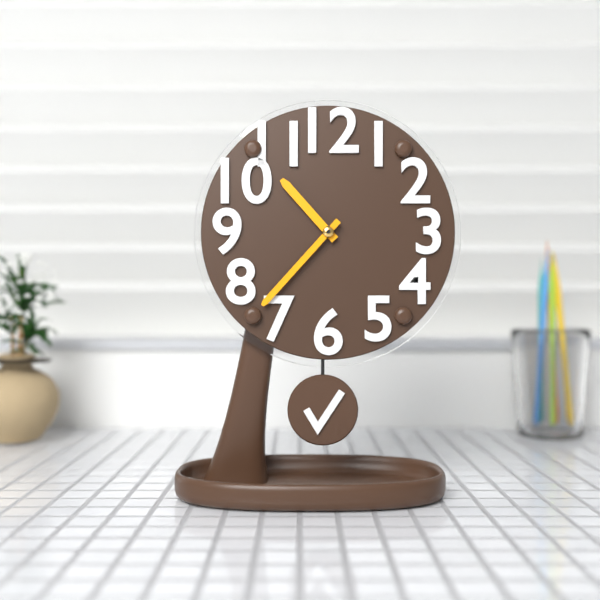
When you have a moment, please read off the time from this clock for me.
10:37
